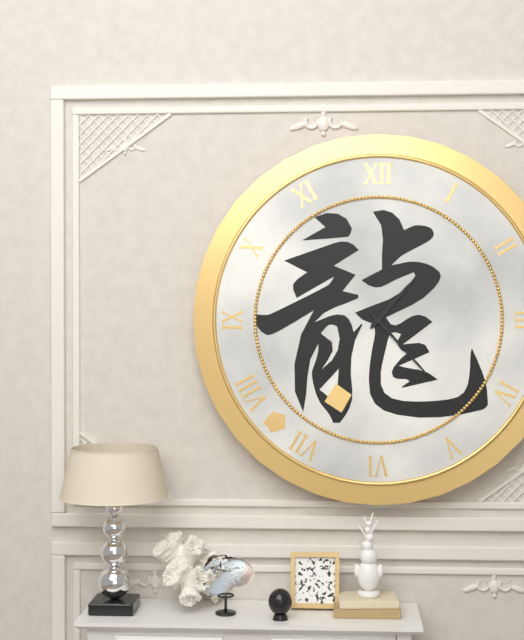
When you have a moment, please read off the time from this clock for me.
1:23
